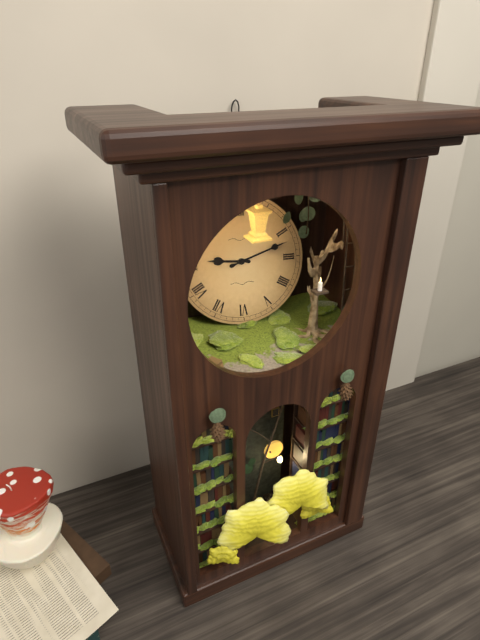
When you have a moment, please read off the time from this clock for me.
9:12
